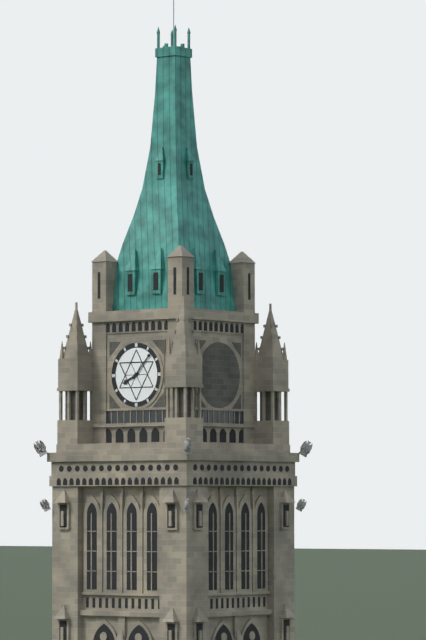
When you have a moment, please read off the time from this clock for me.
8:07
